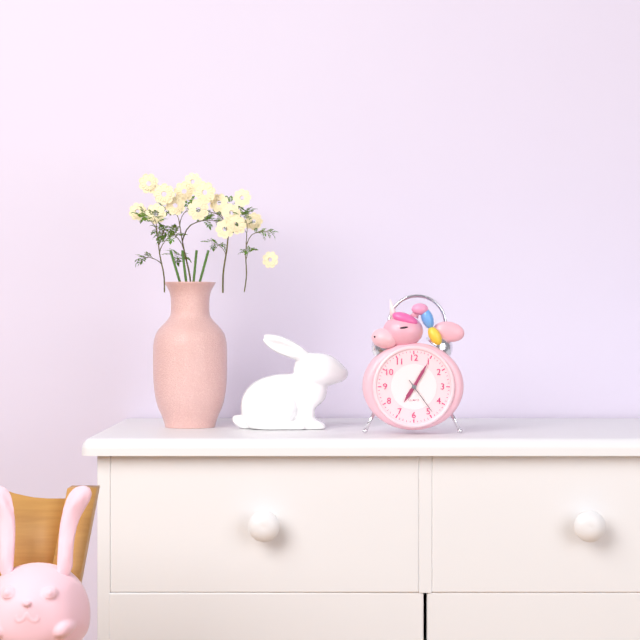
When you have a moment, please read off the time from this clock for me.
7:05
